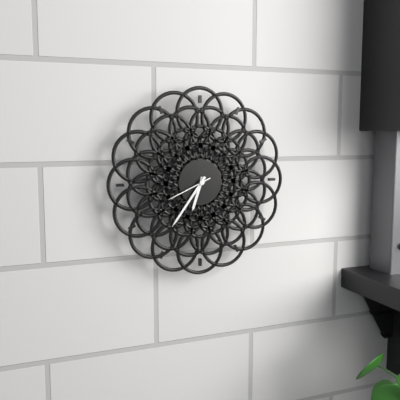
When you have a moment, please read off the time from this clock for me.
6:36
